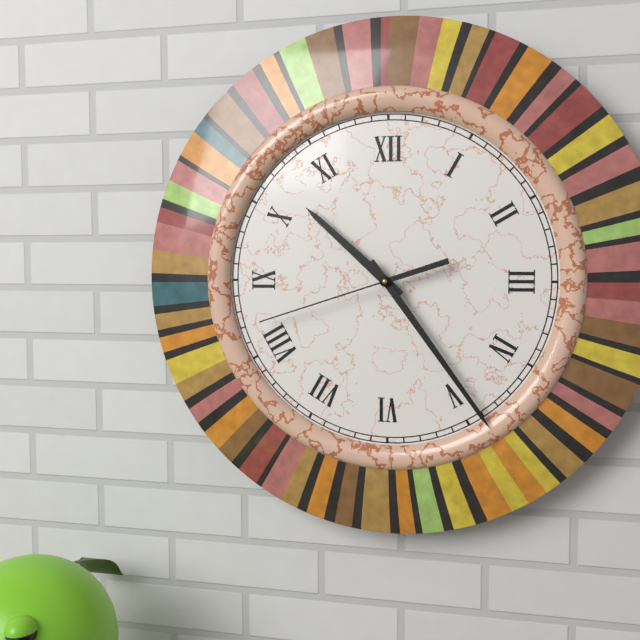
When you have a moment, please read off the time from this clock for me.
10:24:42
